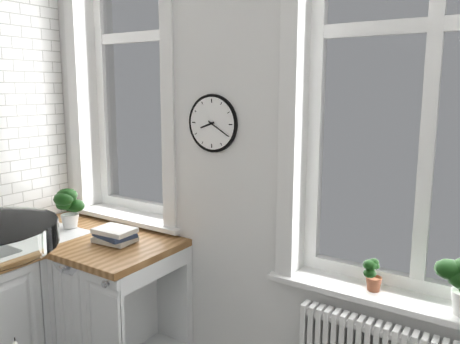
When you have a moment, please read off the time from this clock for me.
8:20
